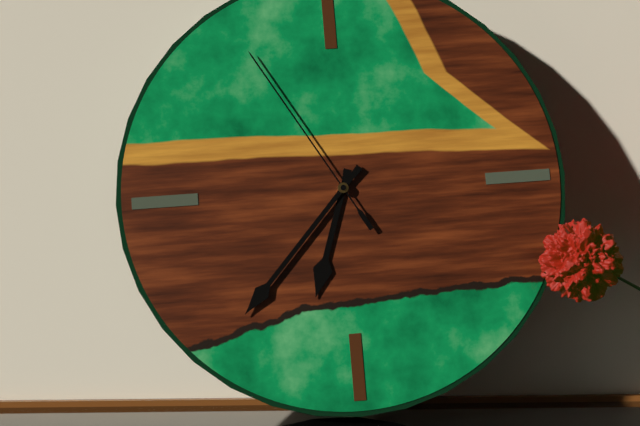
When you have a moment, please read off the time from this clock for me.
6:37:55
